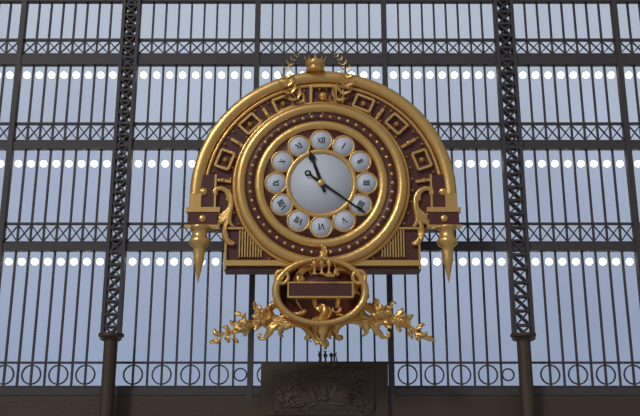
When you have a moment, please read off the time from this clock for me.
11:21
